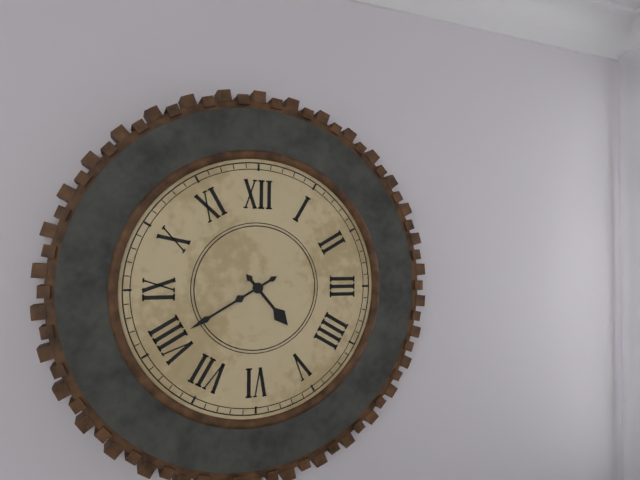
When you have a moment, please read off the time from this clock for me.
4:40
